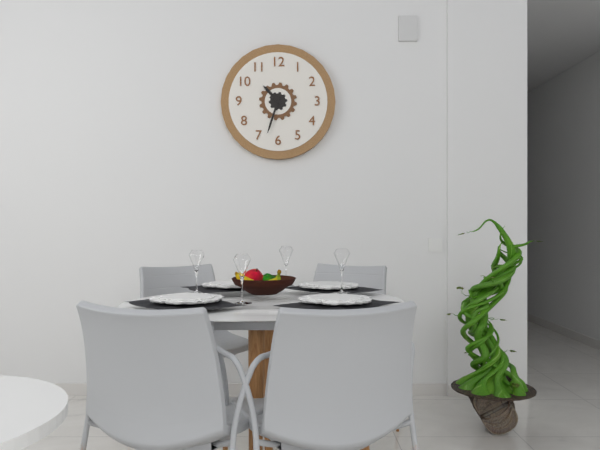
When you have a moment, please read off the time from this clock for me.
10:33
